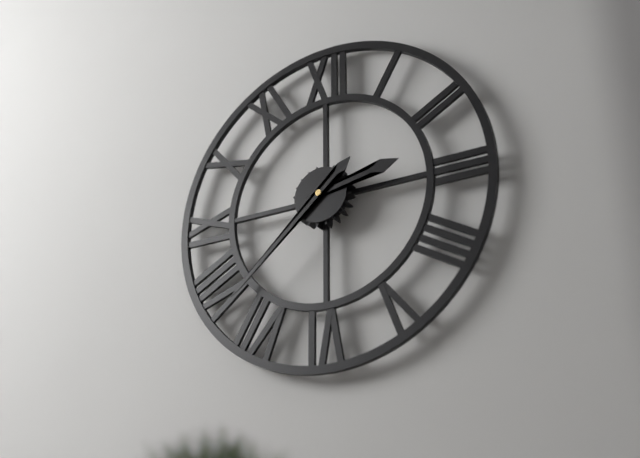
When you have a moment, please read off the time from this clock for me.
2:38
